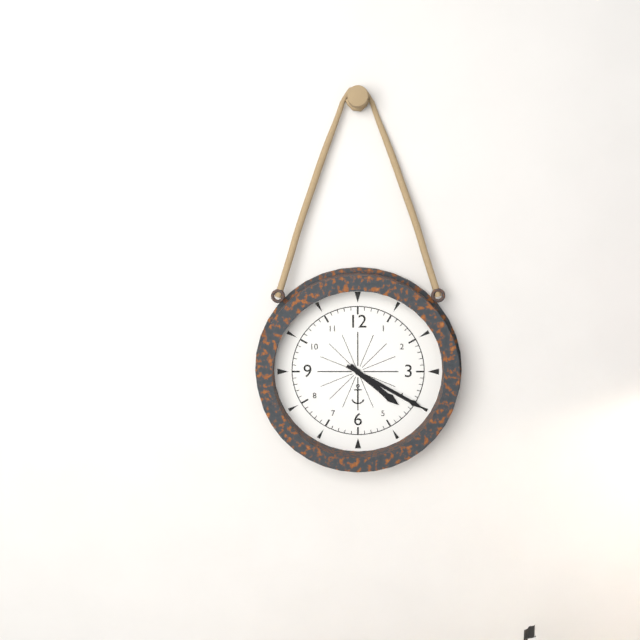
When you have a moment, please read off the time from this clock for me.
4:20
